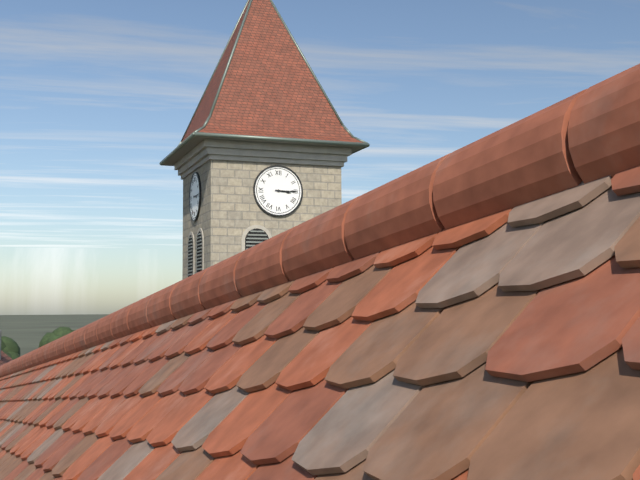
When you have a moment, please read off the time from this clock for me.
3:15
